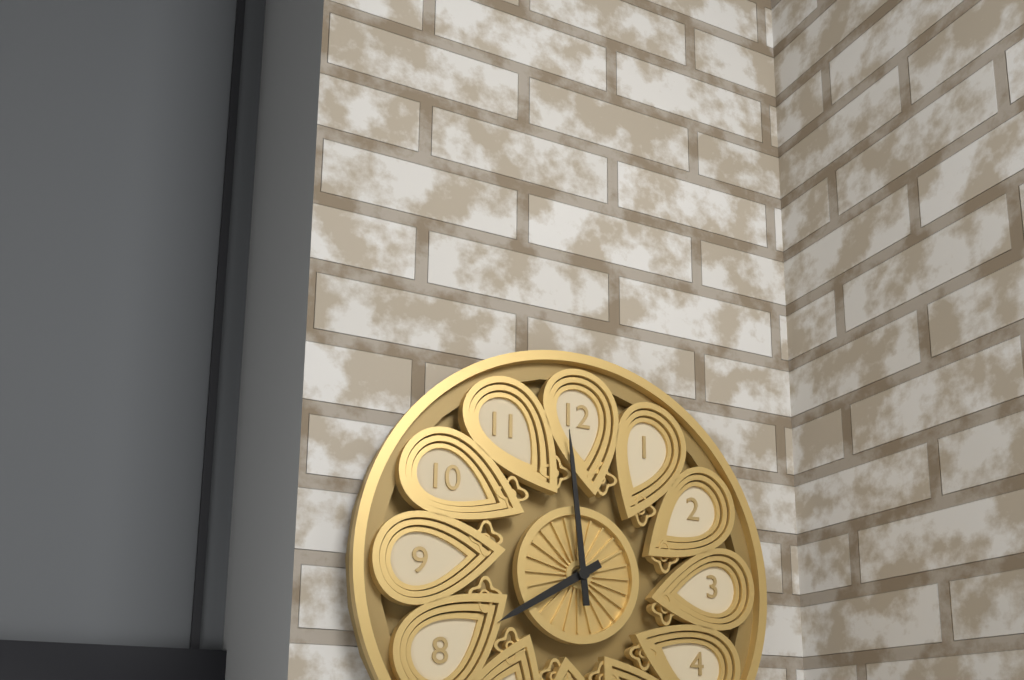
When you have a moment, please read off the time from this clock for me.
7:59
